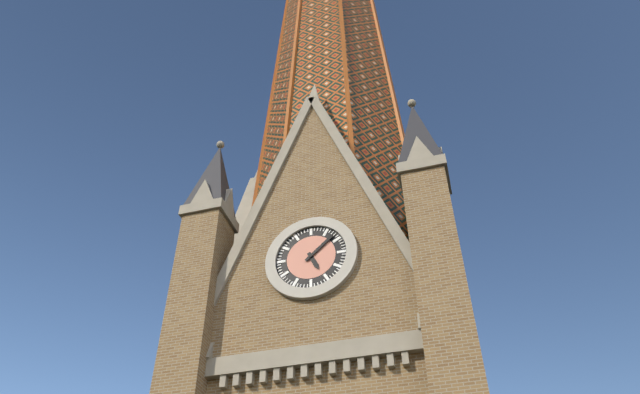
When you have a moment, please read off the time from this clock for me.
5:08
